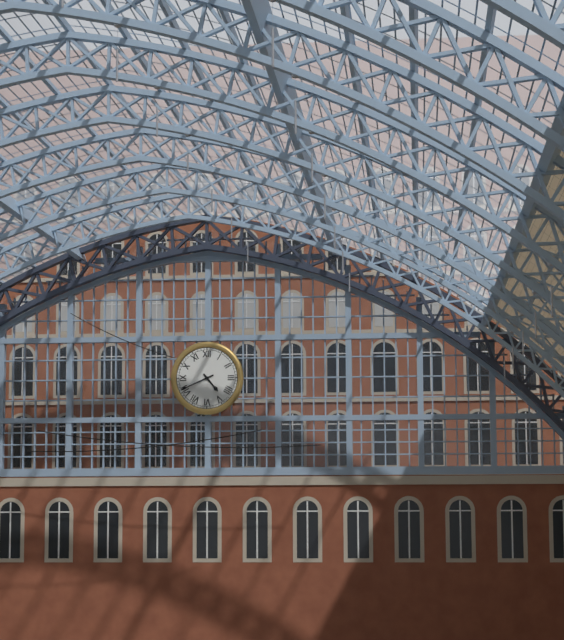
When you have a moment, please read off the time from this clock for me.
4:41
